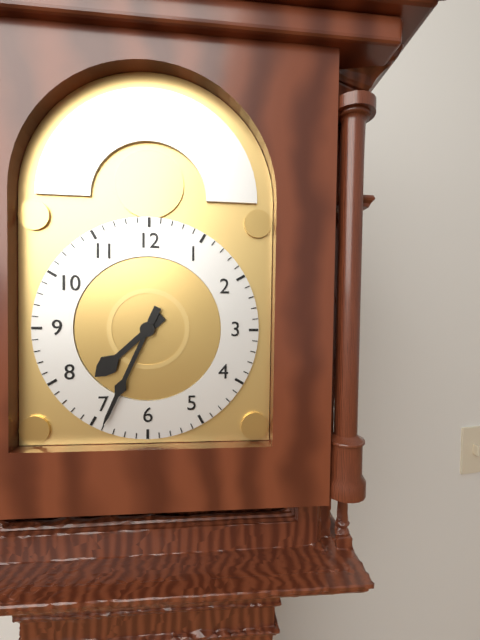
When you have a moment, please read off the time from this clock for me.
7:34
